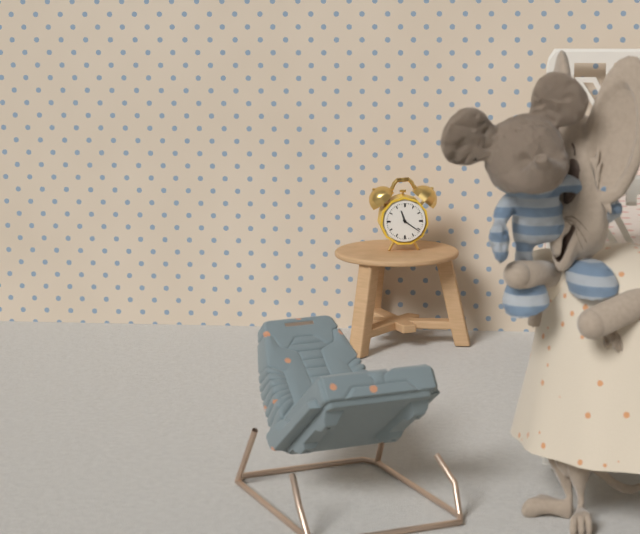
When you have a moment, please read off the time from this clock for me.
11:21
